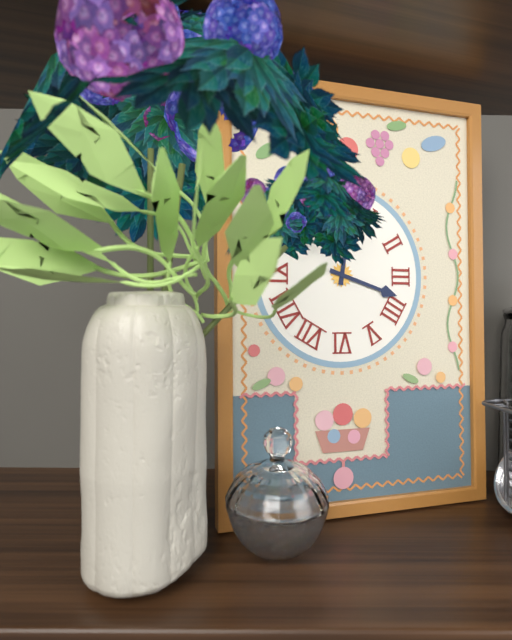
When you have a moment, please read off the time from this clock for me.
12:18
